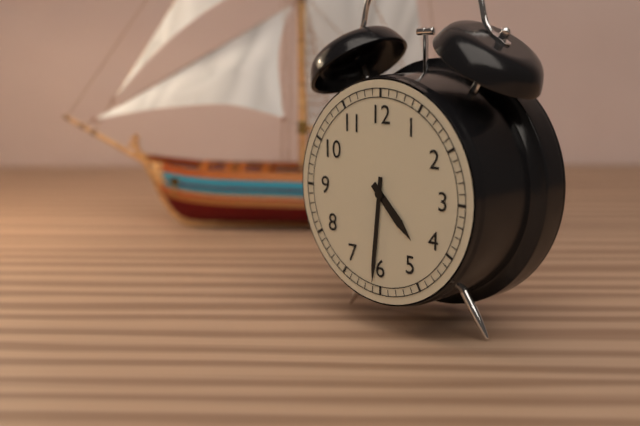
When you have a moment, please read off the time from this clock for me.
4:31
